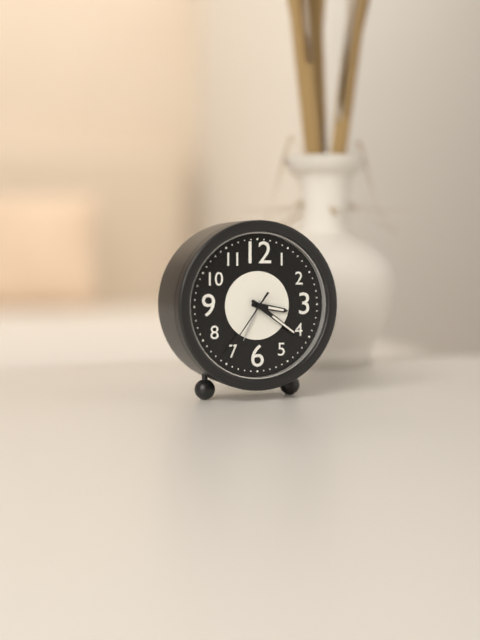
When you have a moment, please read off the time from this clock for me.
3:21:36
